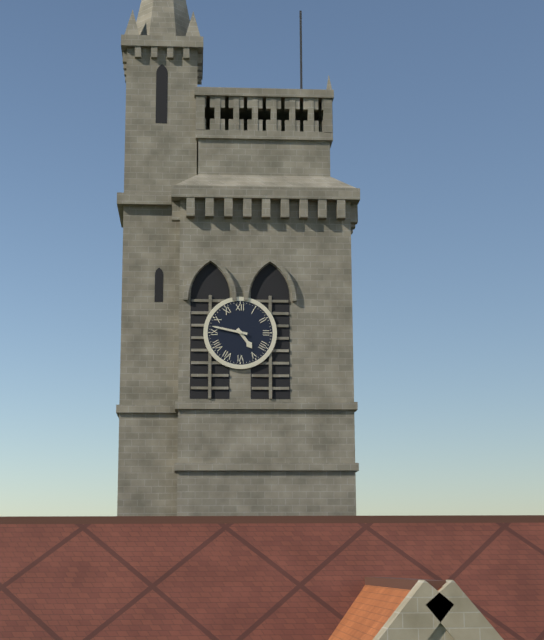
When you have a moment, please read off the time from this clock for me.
4:47
